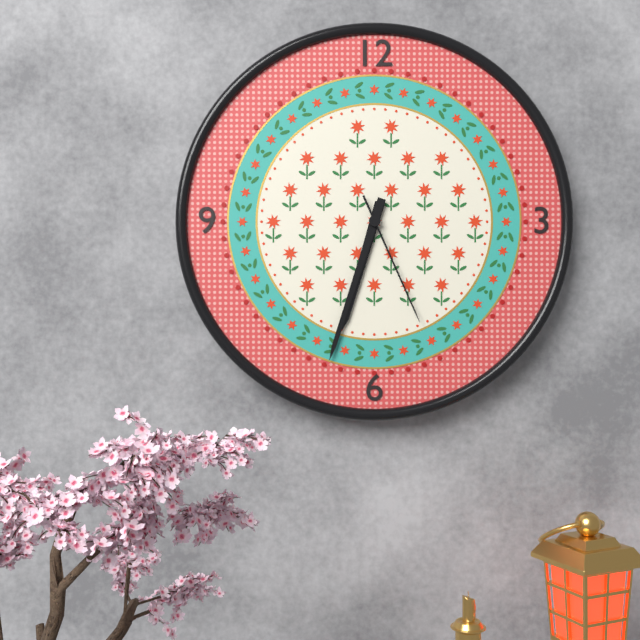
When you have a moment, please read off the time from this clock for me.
6:33:26
